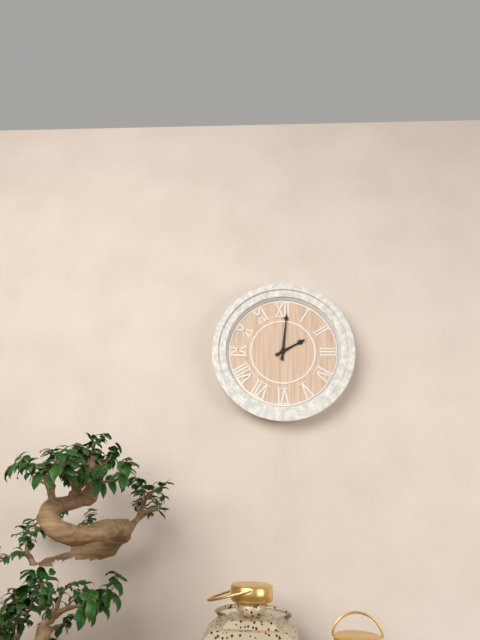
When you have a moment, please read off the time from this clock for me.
2:01
